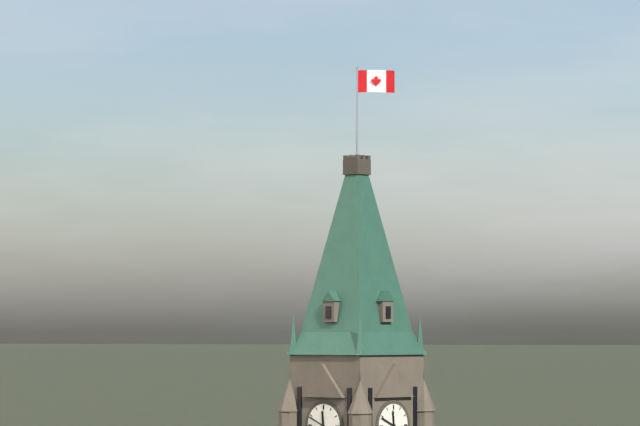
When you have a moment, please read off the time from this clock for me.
11:49
